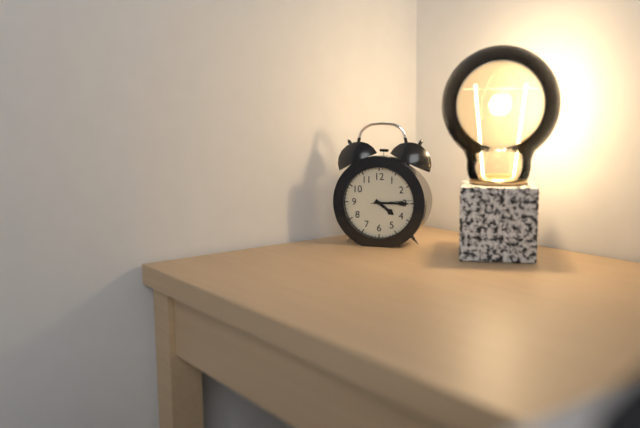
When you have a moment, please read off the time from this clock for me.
4:15
